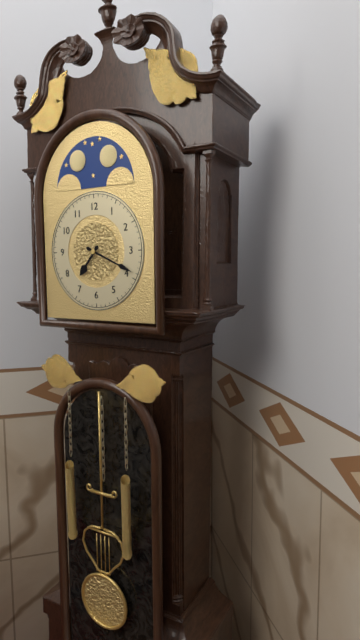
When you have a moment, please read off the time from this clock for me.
7:19
